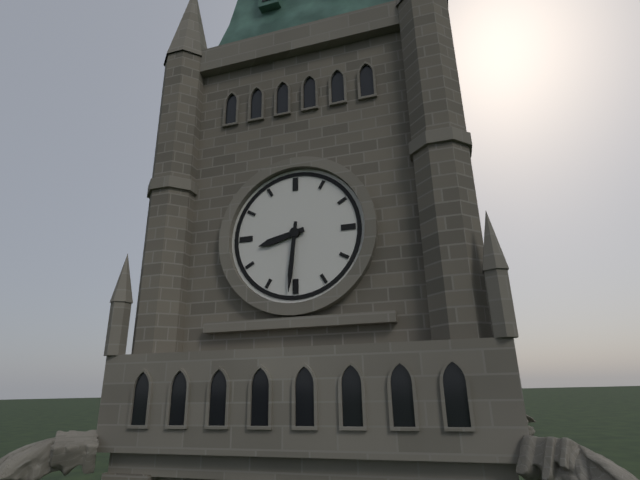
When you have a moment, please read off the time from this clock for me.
8:31
